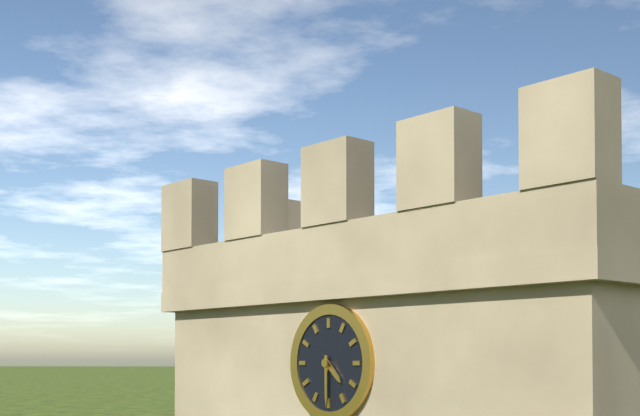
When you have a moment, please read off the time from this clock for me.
4:30
